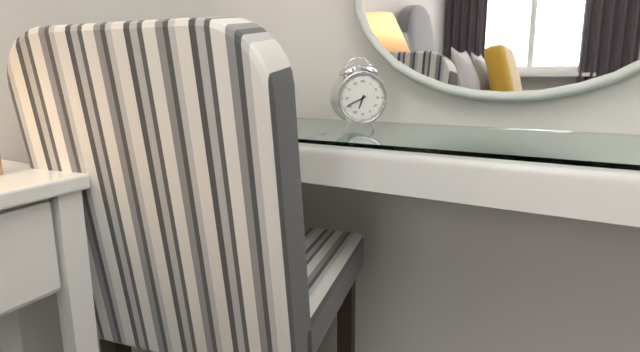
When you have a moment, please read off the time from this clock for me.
6:41
